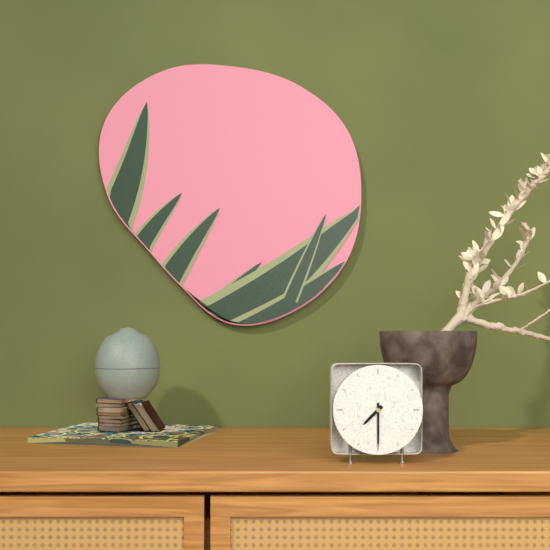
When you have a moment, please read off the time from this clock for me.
7:30
